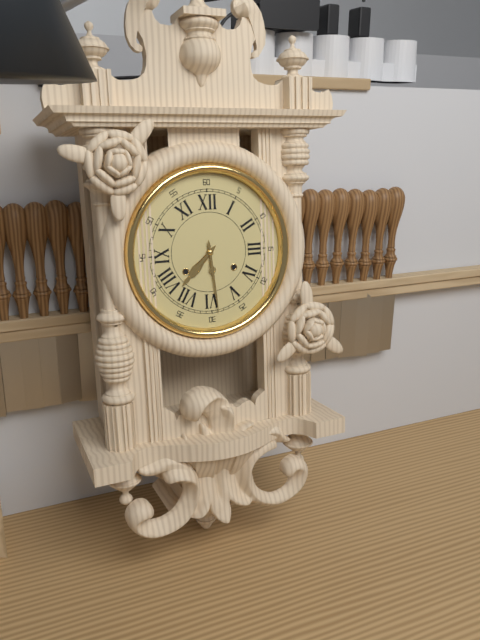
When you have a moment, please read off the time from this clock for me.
7:29
